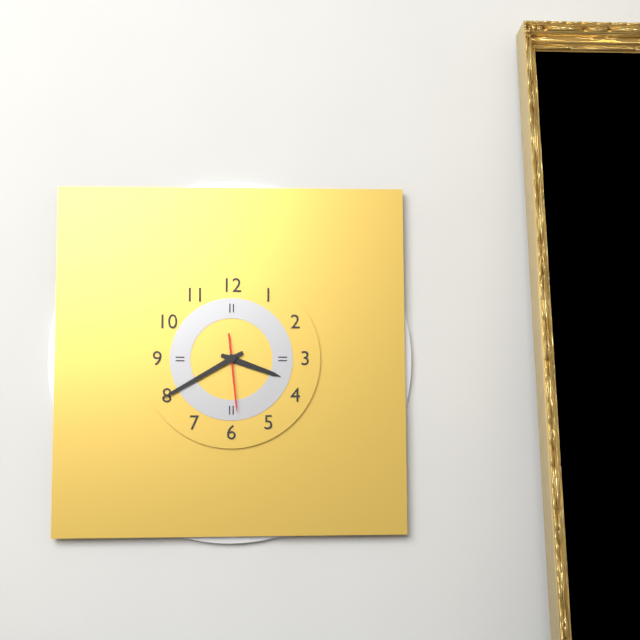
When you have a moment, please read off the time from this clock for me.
3:40:29
